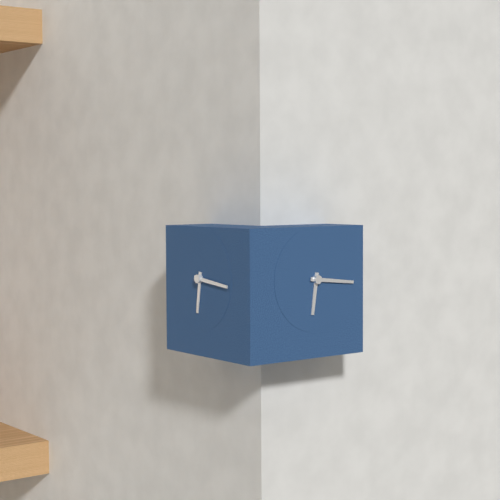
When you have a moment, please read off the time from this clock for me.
6:16
